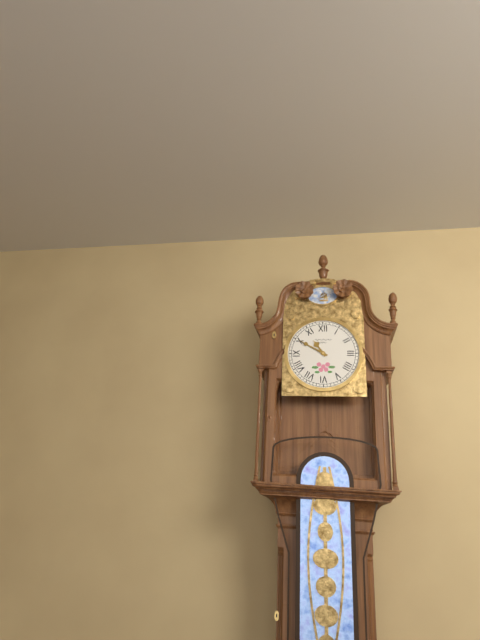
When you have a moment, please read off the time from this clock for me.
10:50
